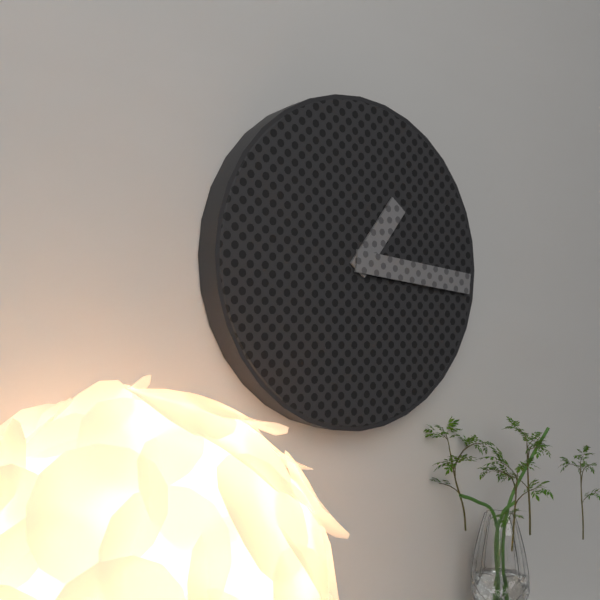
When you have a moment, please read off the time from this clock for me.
1:16
